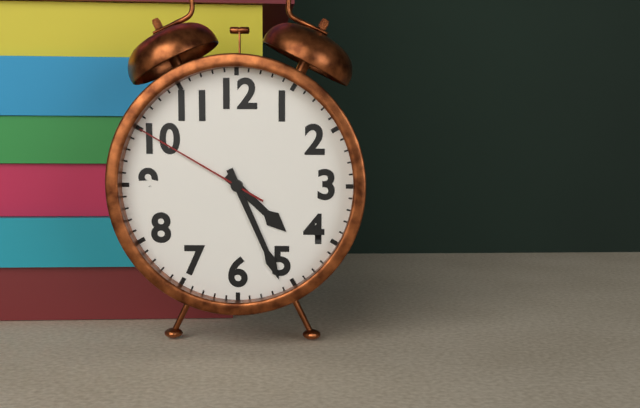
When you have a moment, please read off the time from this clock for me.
4:26:50
